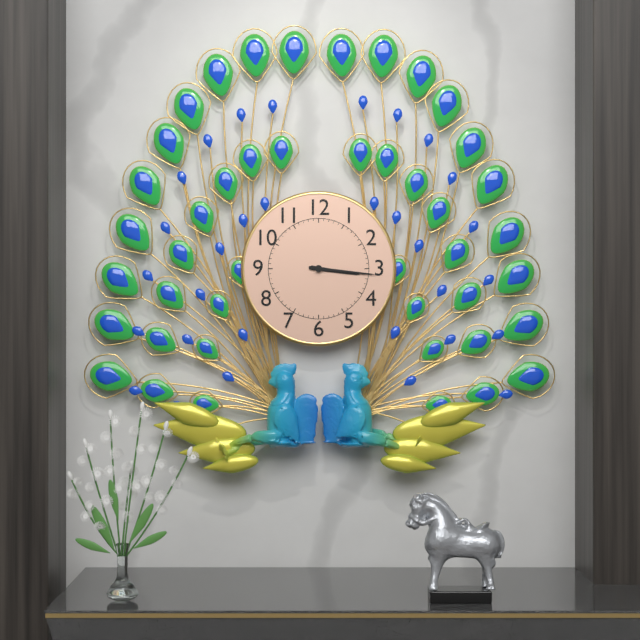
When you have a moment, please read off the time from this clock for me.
3:16
